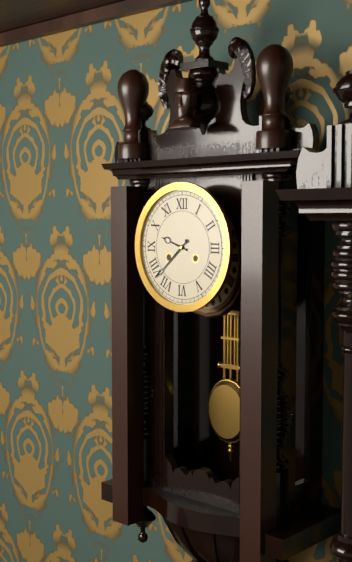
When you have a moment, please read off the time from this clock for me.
9:38
